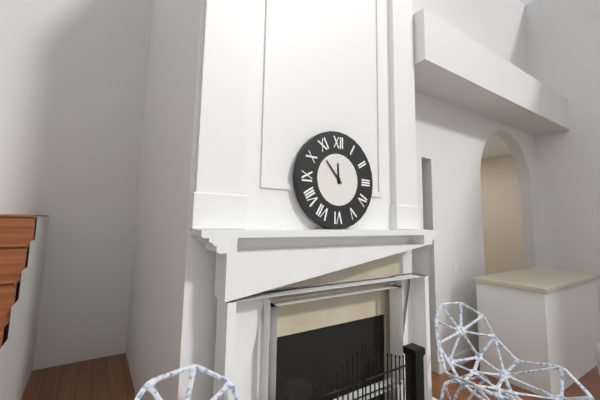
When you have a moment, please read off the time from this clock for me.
11:53
